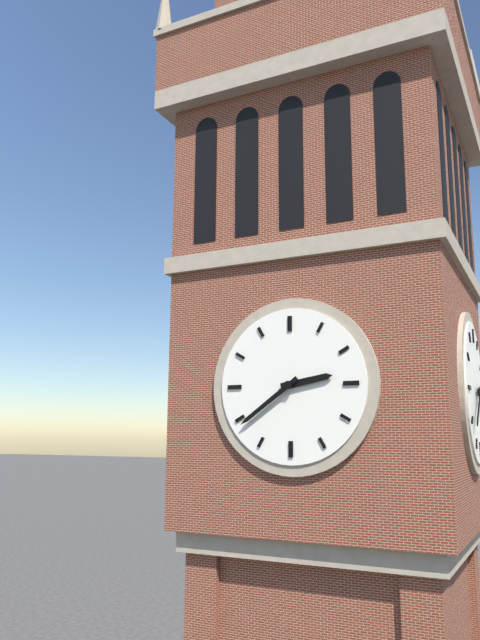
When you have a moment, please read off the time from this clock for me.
2:39
